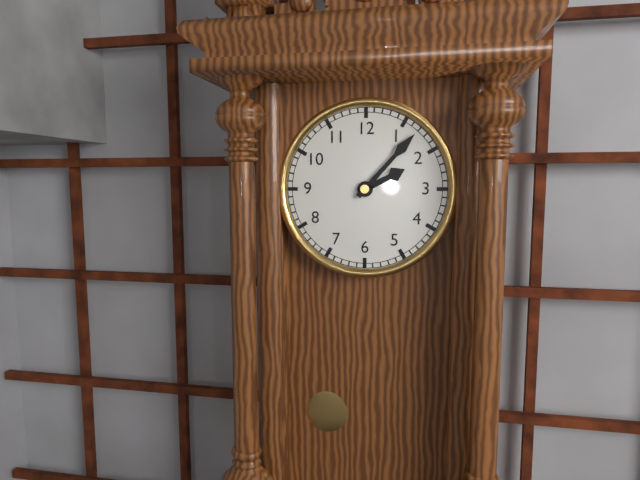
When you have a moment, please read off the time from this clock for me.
2:07
